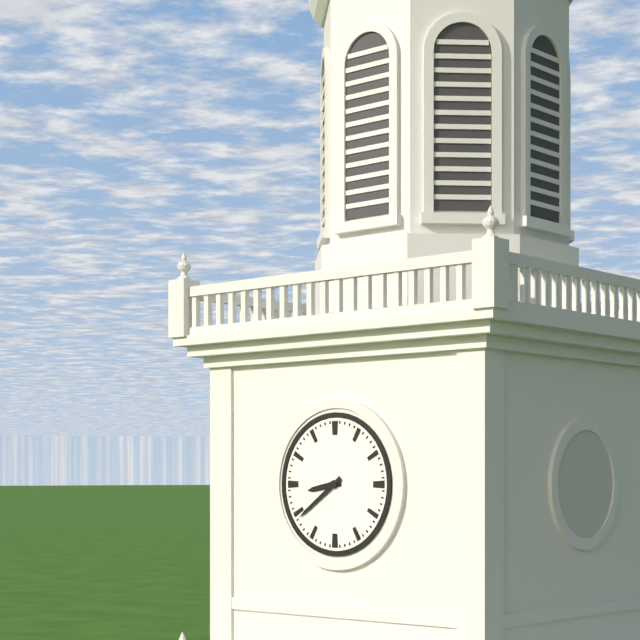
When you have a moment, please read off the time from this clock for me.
8:39
